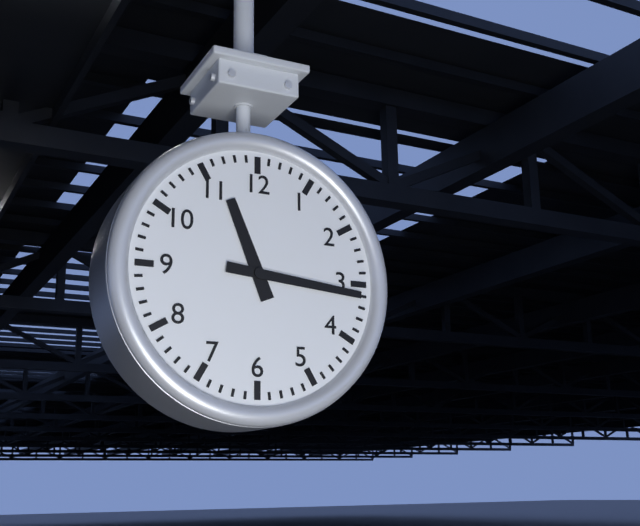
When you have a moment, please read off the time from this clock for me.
11:16
